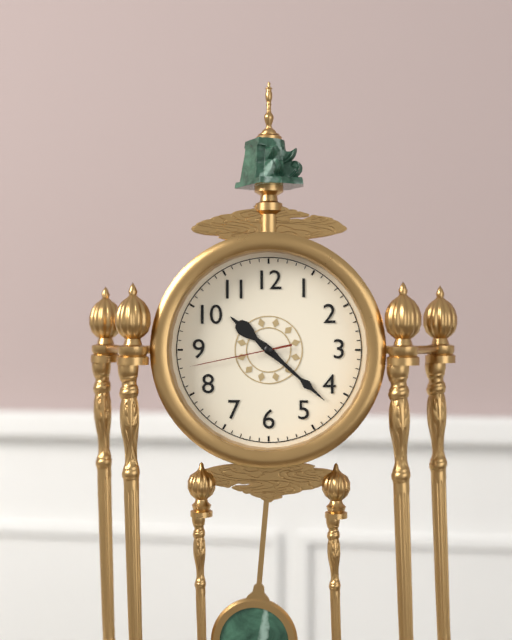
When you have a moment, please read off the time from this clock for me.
10:22:43
